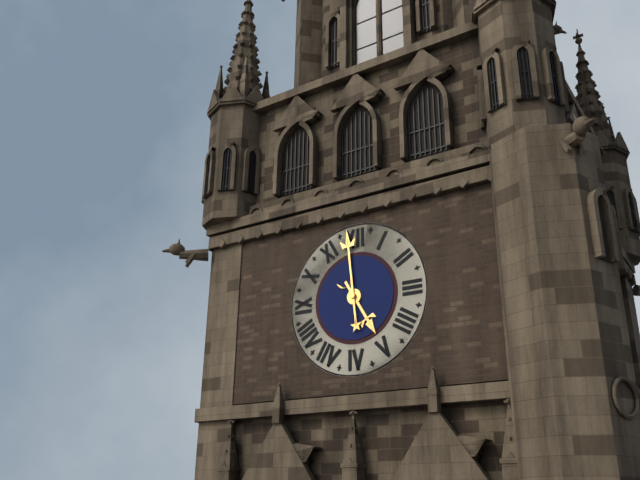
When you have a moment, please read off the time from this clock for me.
4:59
